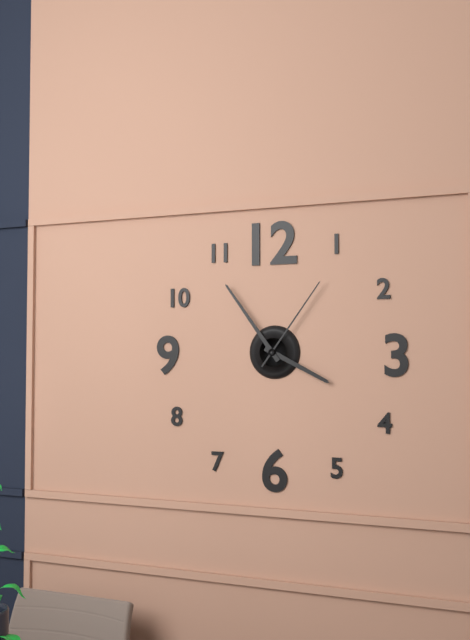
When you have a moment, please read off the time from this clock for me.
3:54:06
